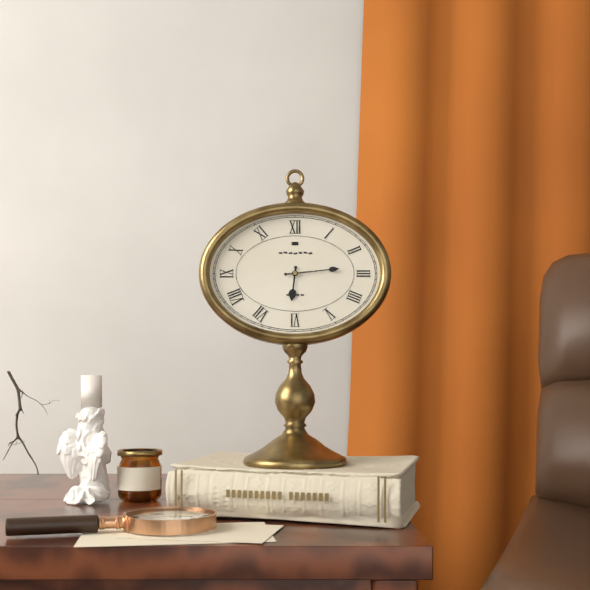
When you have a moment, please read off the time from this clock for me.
6:14
